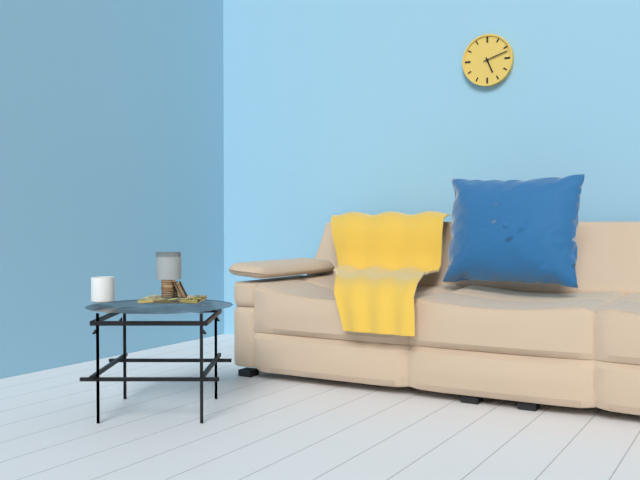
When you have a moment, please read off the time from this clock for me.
5:12
